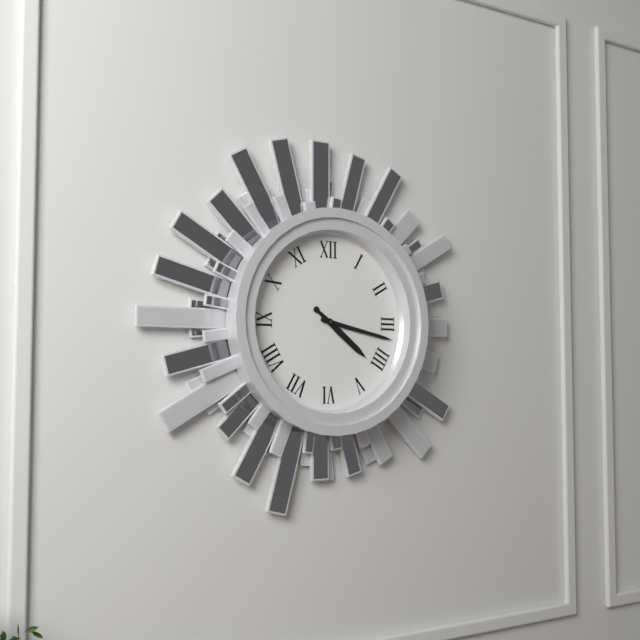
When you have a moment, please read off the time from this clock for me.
4:17
